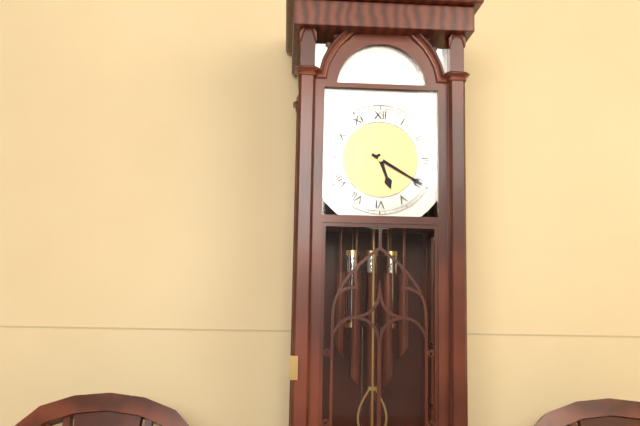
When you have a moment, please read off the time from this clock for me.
5:20
